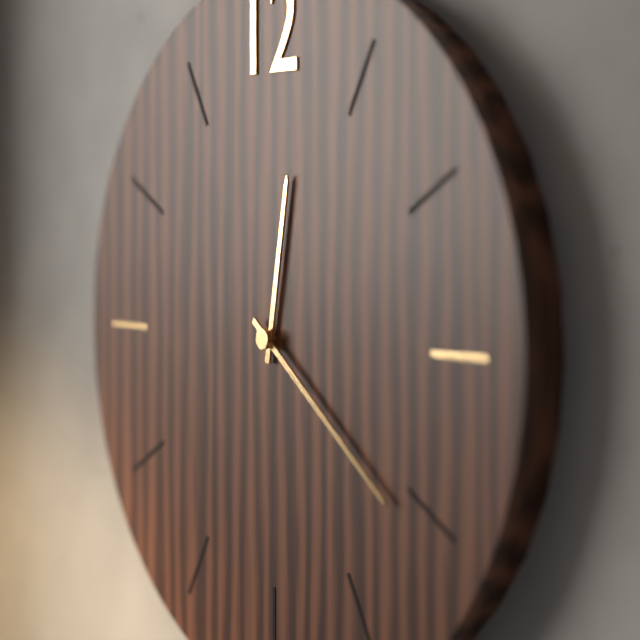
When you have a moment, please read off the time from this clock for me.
12:21
